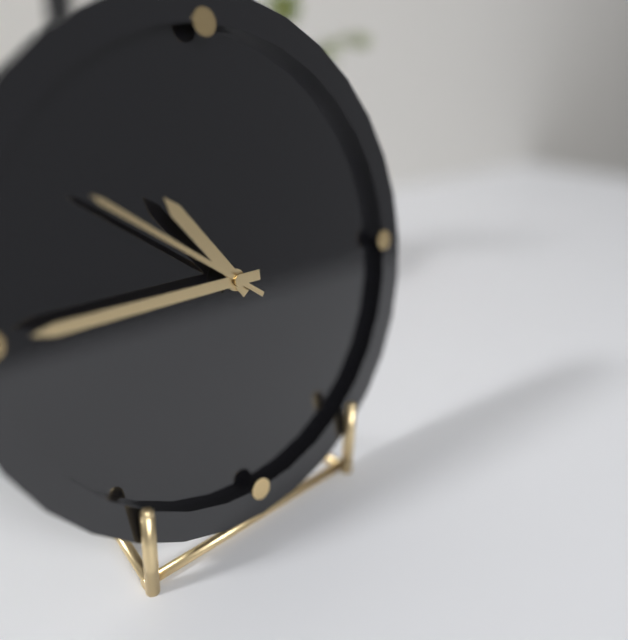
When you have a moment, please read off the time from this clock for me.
10:45:51
